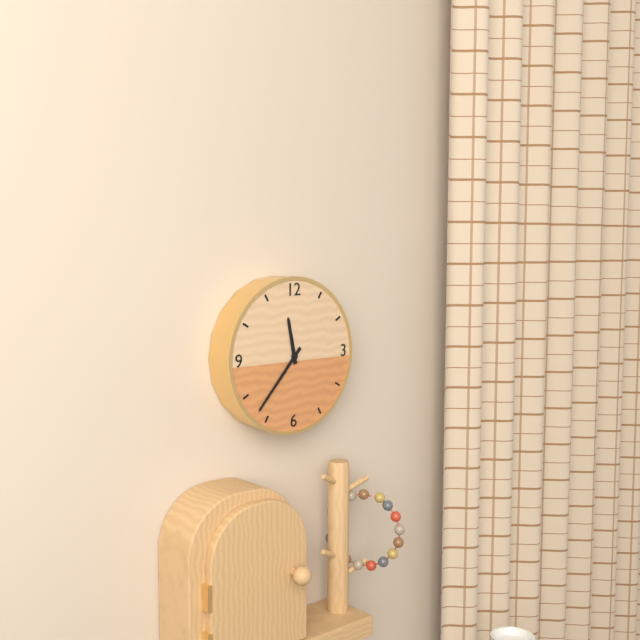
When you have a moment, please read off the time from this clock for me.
11:37
